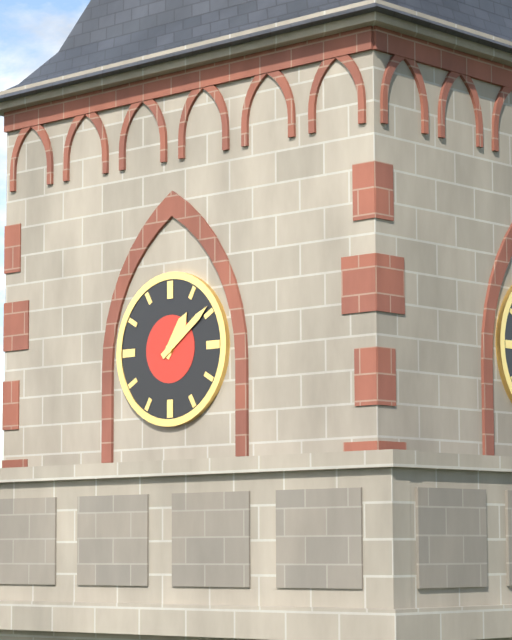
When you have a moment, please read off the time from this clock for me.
1:09
